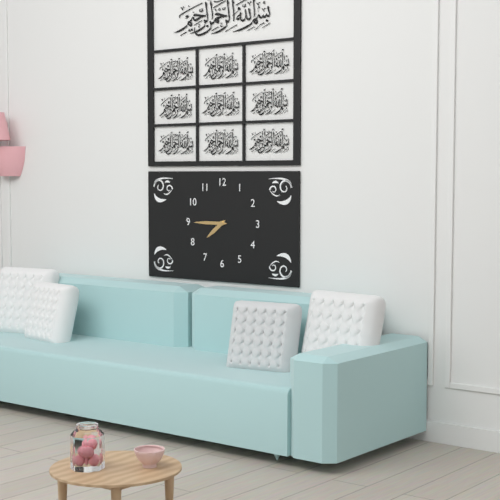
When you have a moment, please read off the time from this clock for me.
7:45
